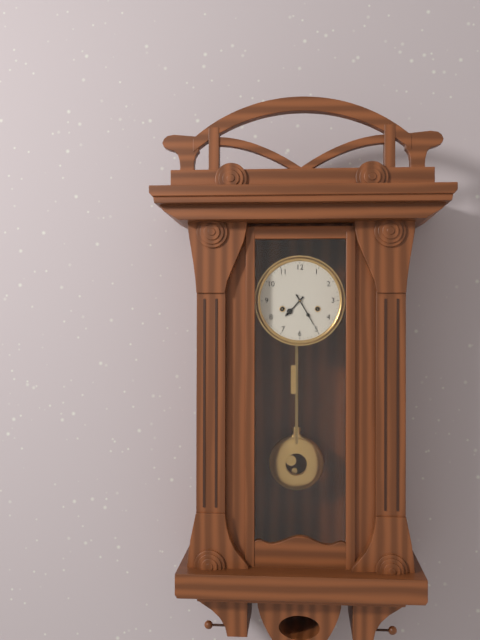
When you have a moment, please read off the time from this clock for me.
7:25
